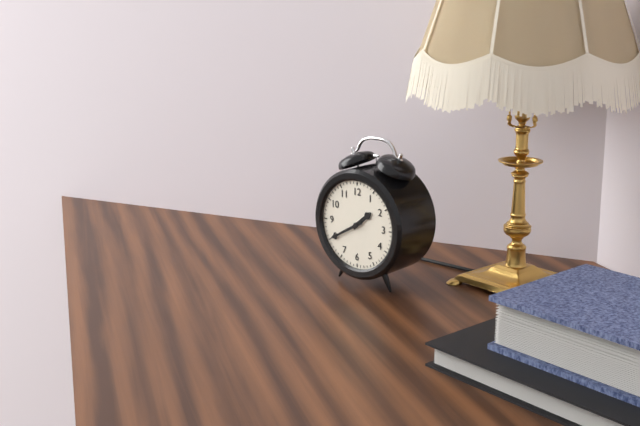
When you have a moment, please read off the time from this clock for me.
1:40
